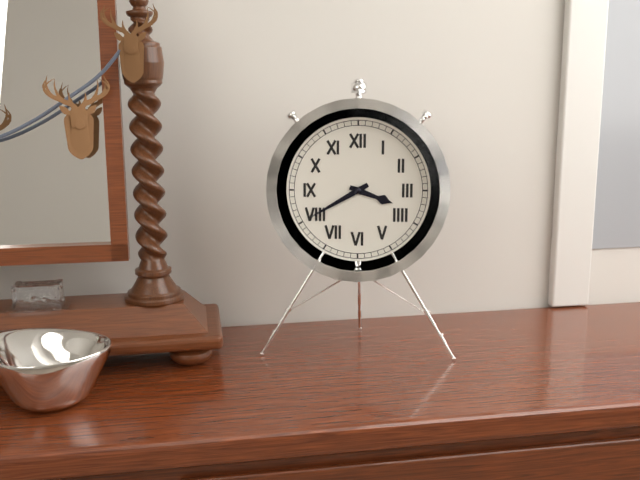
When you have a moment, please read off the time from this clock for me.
3:40
